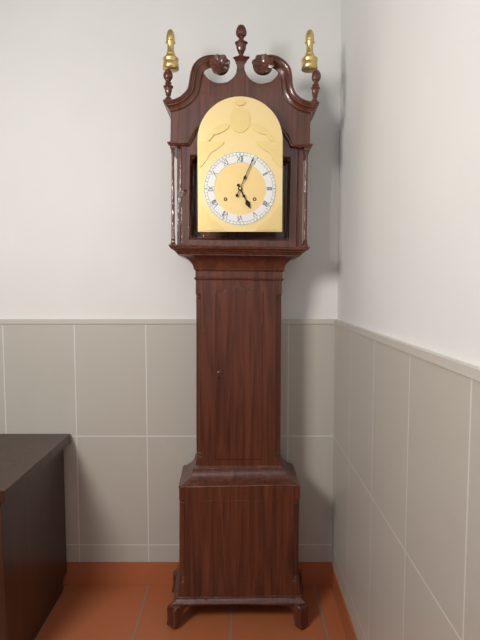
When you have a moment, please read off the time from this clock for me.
5:04
